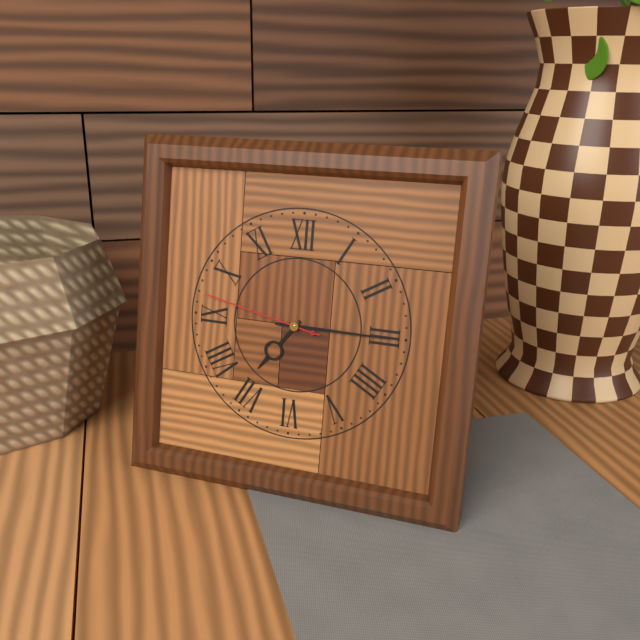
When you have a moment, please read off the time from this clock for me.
7:15:47
